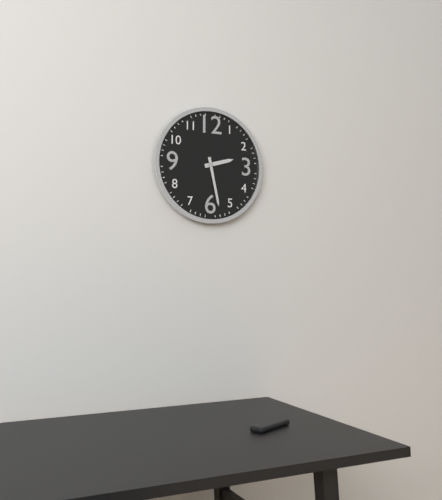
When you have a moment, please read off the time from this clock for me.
2:28
